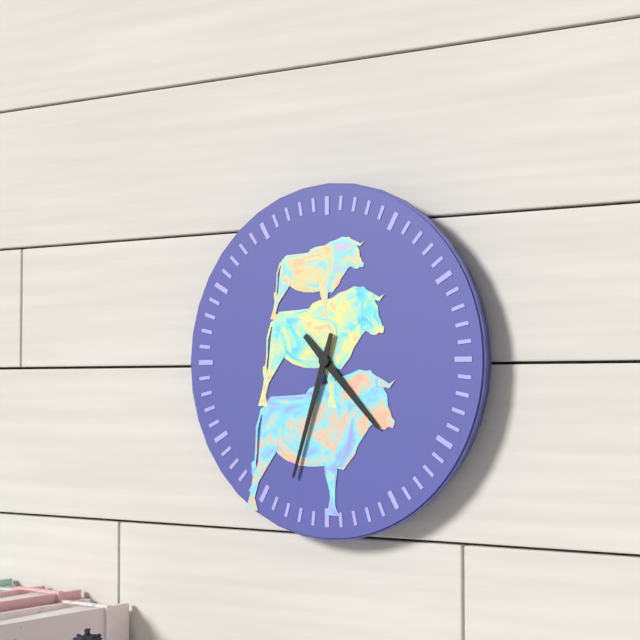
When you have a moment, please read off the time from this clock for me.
4:33
